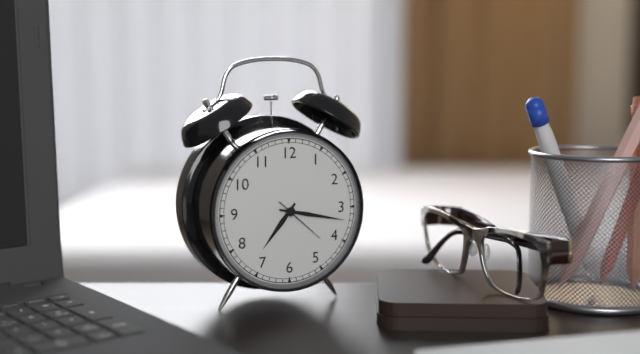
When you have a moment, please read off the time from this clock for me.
7:17
